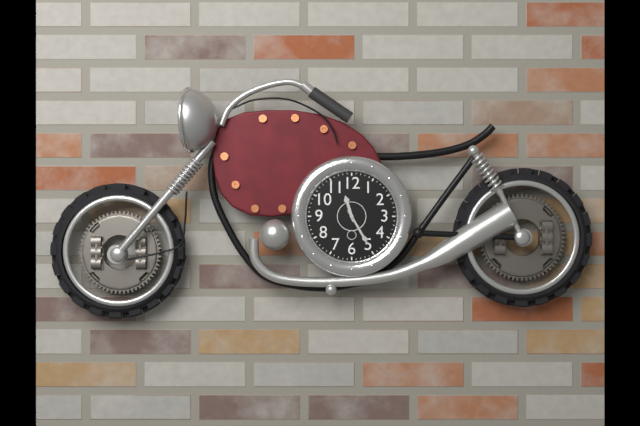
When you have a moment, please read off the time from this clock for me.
11:25
